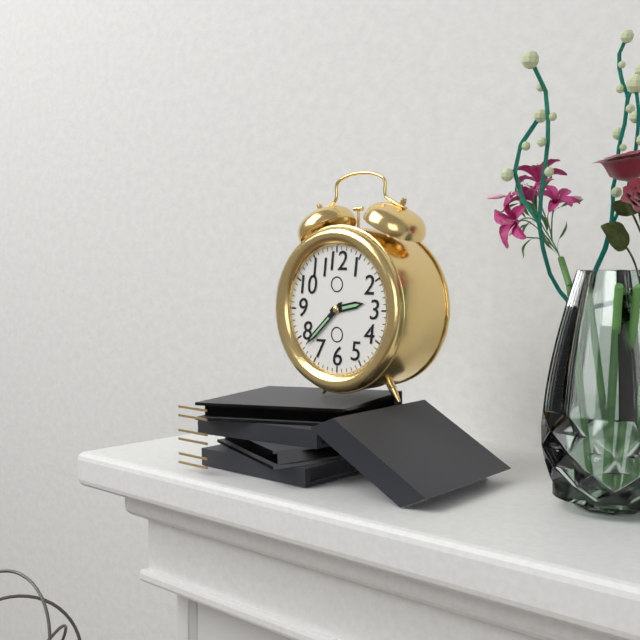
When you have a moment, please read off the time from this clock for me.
2:38
